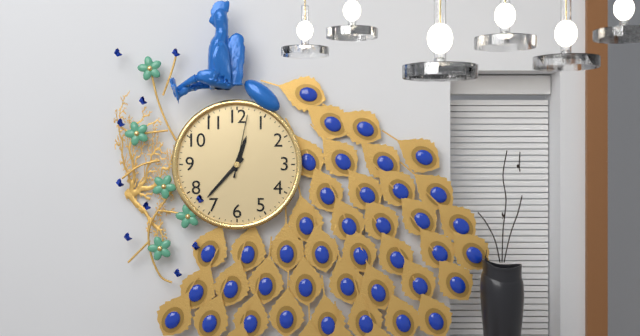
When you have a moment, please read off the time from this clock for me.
12:37:02
